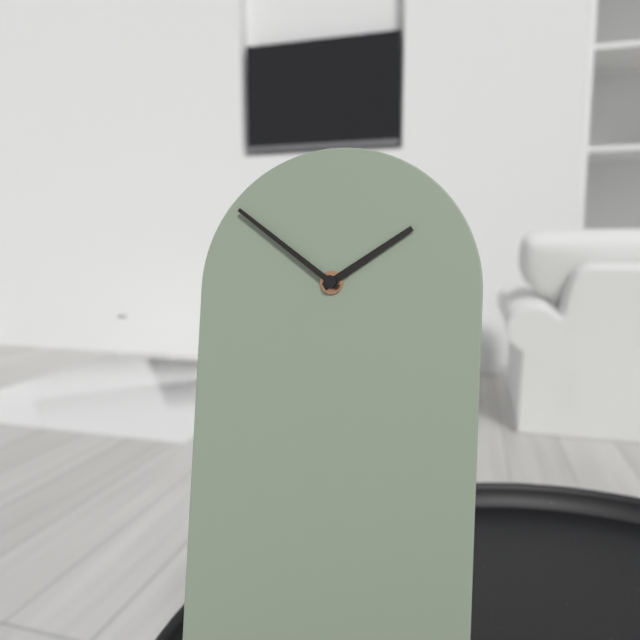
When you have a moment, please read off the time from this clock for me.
1:51
